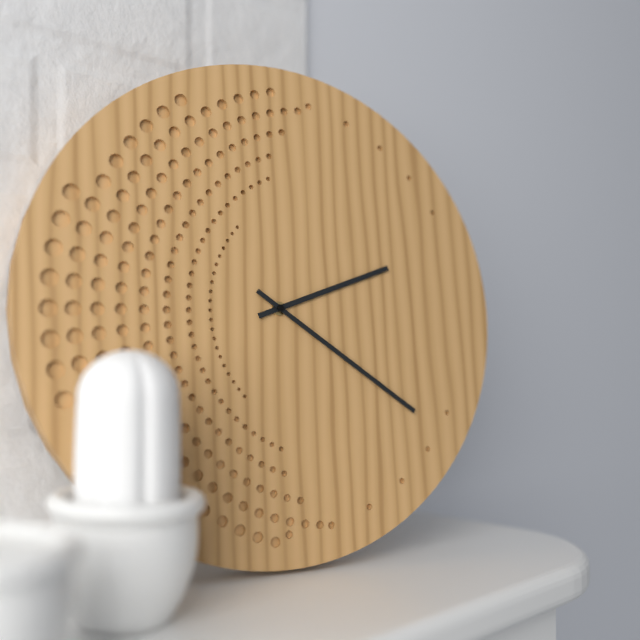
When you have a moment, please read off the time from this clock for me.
2:21
